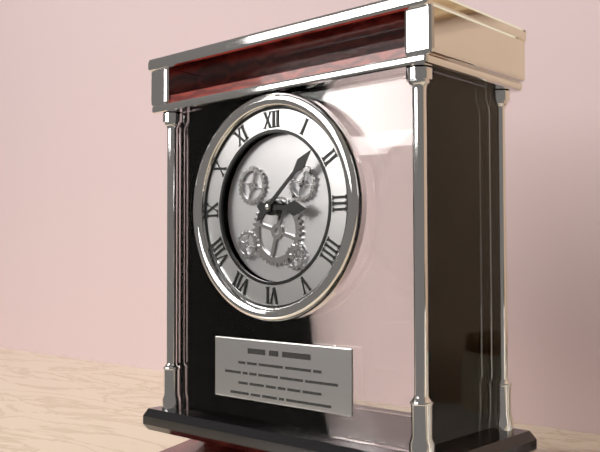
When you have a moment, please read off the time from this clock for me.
3:08
